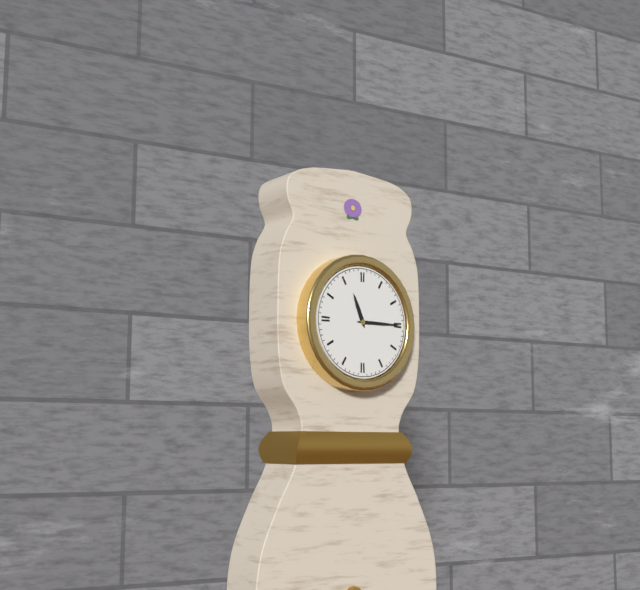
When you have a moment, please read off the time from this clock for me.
11:15
